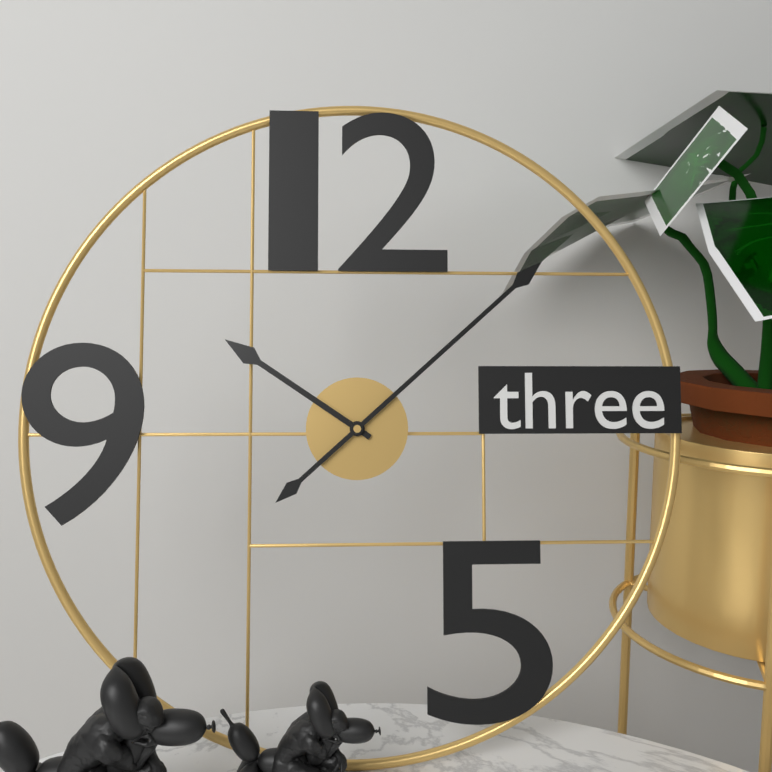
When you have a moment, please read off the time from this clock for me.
10:08
